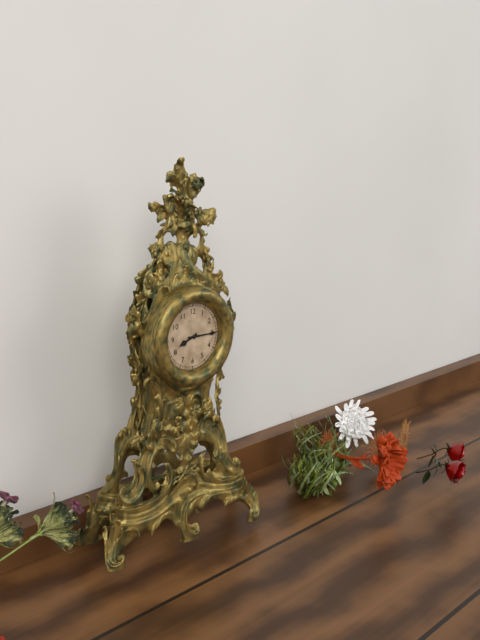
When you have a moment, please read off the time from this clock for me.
8:15
